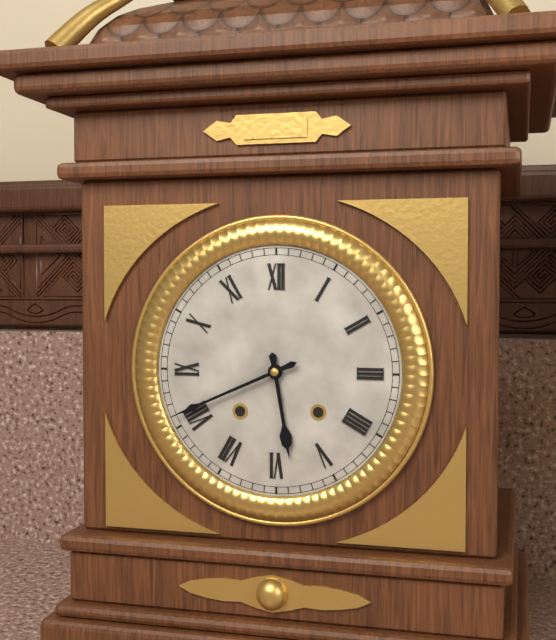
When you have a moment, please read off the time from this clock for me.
5:41
